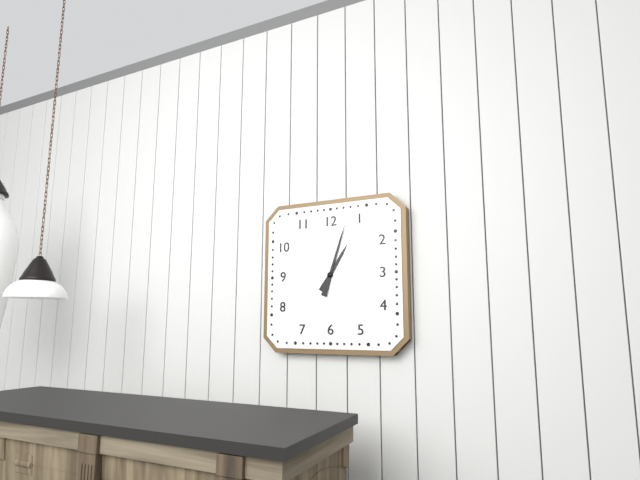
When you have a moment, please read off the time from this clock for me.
1:03
